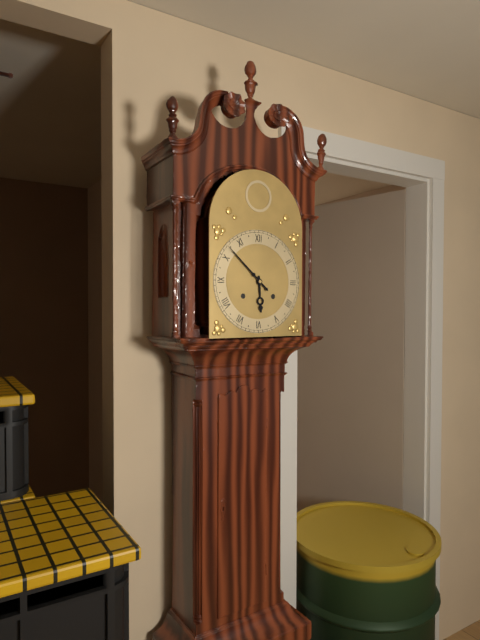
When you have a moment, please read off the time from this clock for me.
5:52
